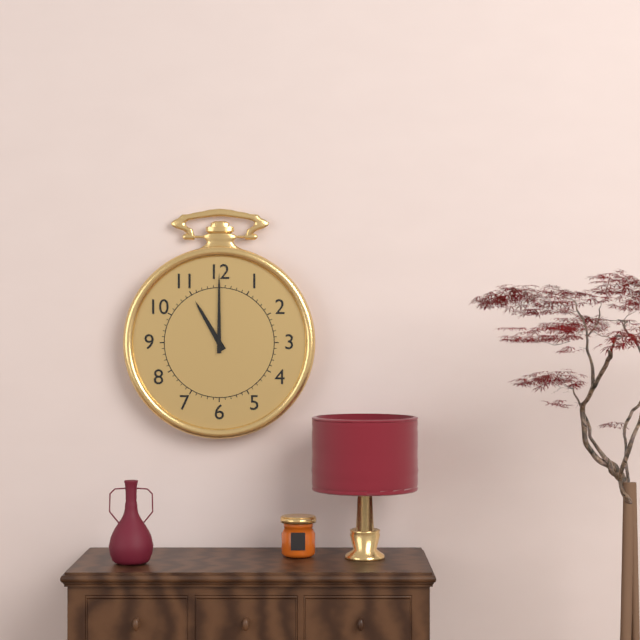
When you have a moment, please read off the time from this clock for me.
11:00
